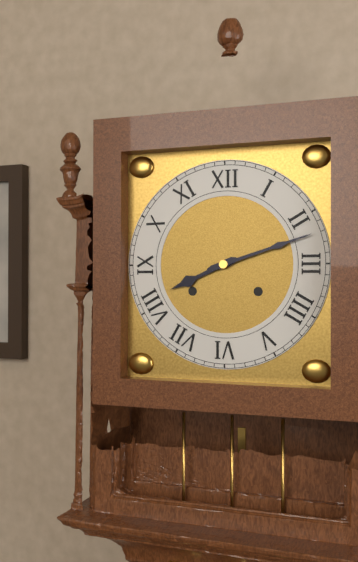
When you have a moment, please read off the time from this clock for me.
8:12
